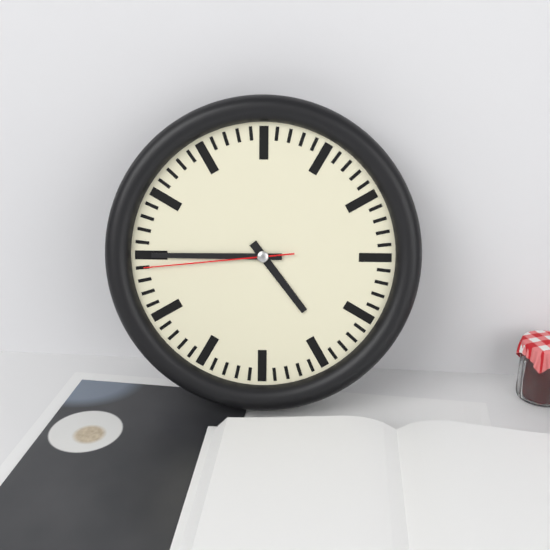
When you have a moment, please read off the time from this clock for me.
4:45:44
